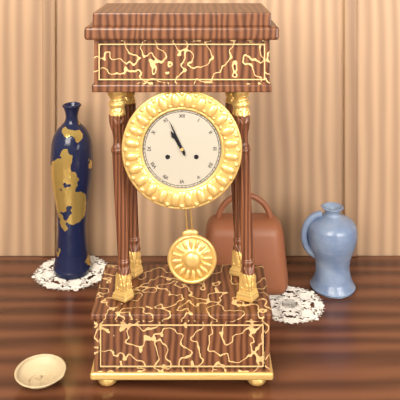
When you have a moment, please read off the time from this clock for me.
10:56
